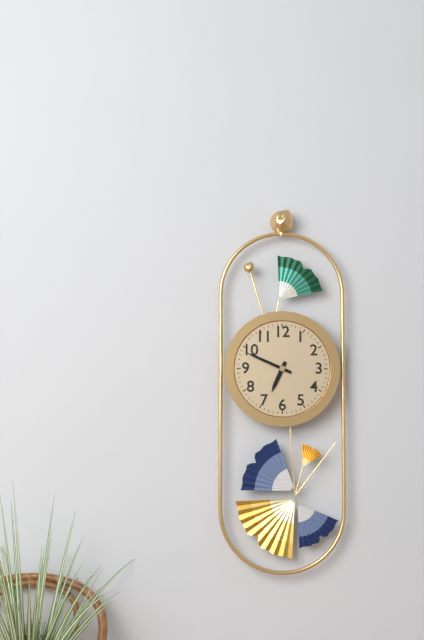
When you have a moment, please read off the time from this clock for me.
6:49
